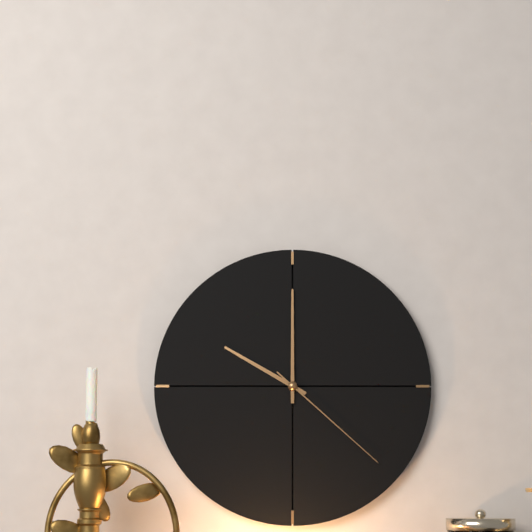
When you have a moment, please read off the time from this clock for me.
10:00:22
